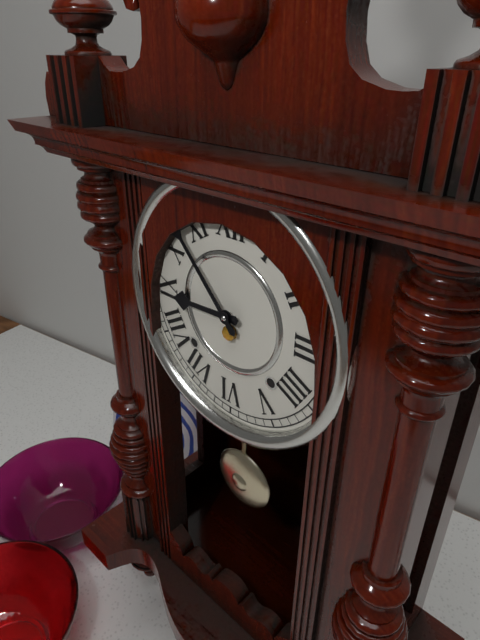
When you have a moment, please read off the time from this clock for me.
8:53
